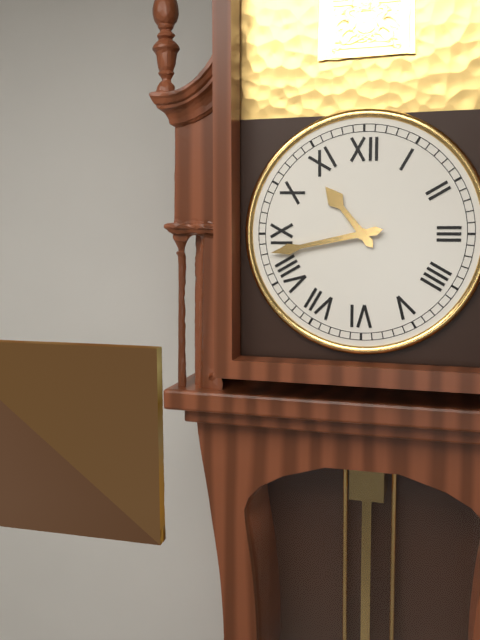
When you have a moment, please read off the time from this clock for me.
10:43
